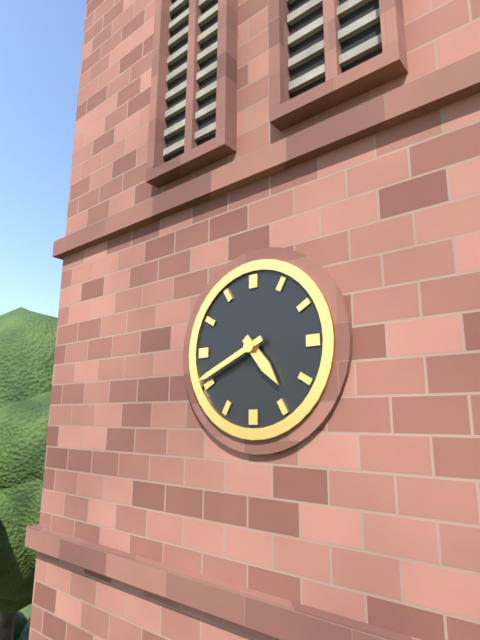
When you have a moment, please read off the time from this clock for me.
4:41
